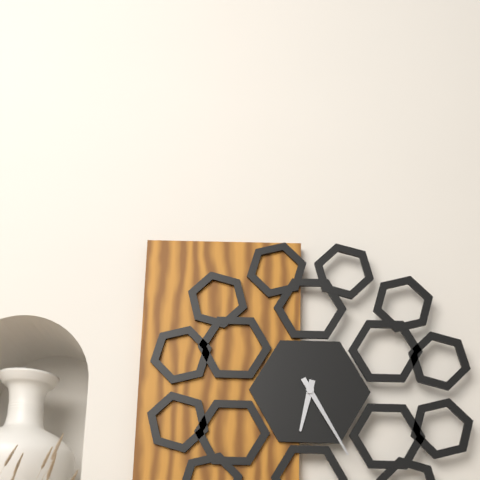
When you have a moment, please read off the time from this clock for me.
6:25
